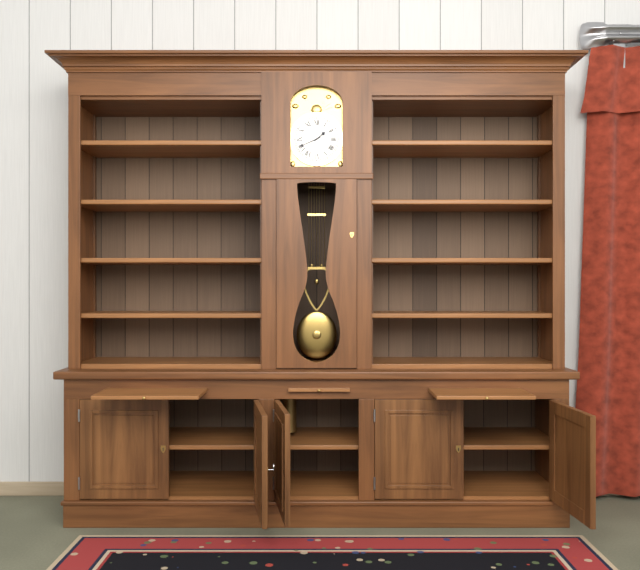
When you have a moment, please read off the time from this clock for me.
1:41
